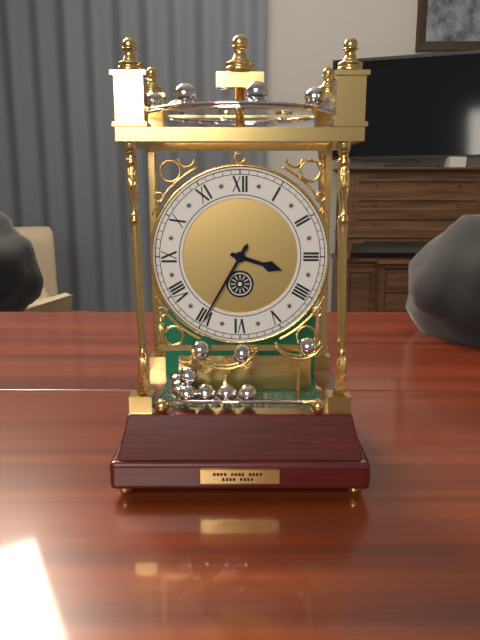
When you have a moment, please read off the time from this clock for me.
3:35
